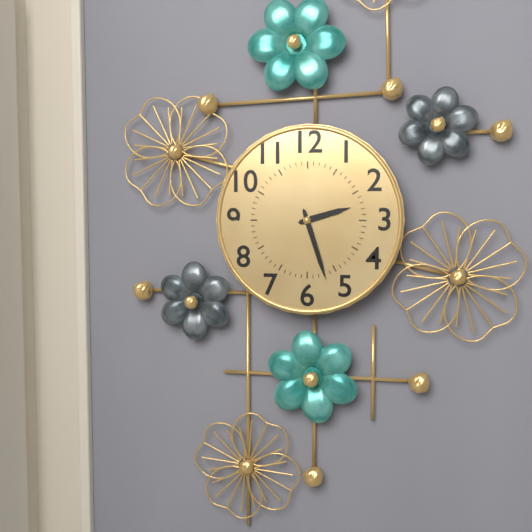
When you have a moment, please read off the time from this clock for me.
2:27
